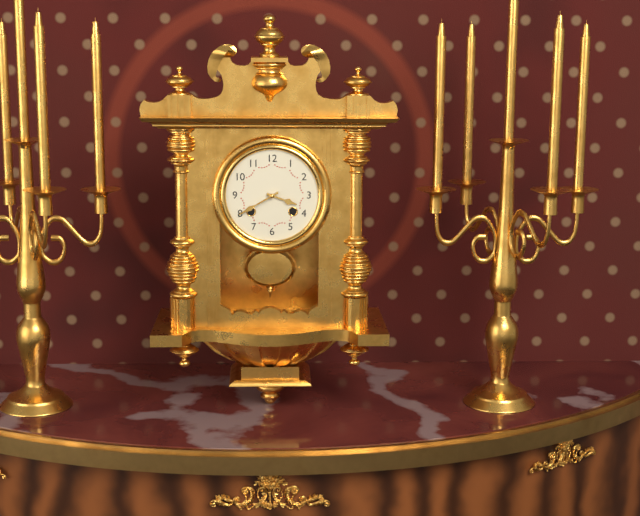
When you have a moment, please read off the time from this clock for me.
3:40
